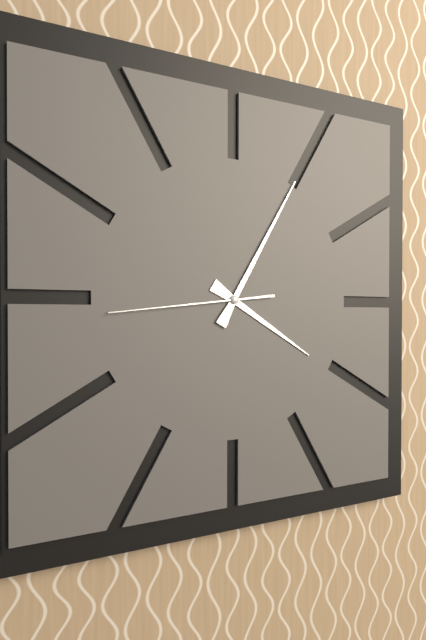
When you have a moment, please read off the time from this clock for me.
4:05:44
